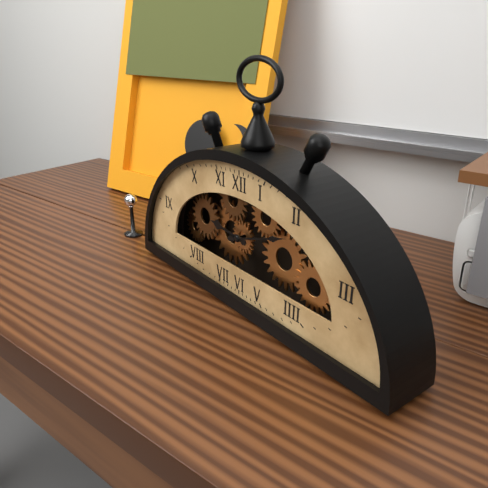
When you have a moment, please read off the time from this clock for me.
9:12
